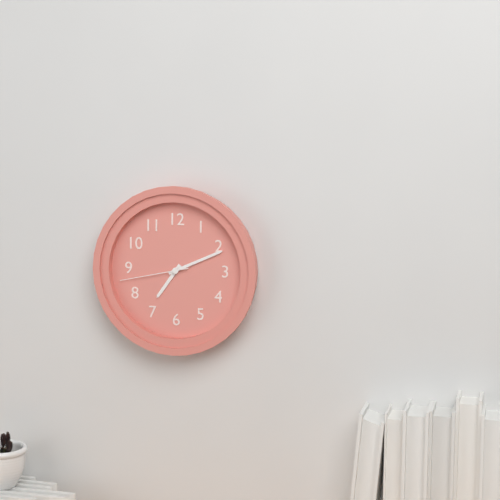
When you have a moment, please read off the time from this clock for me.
7:11:43
